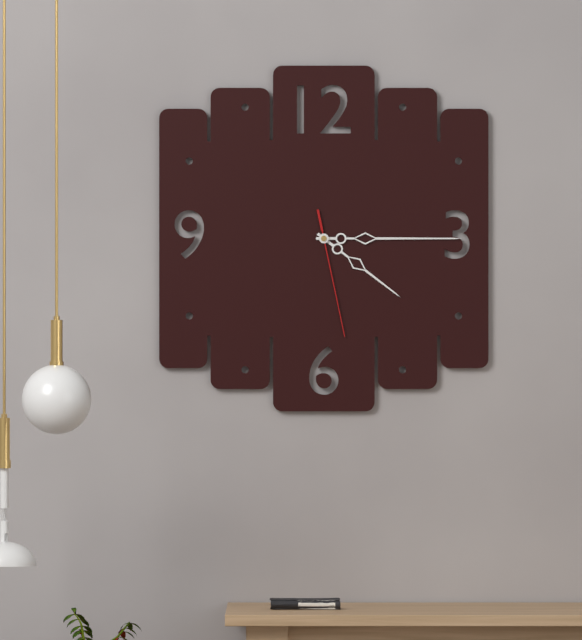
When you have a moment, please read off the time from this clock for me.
4:15:28
